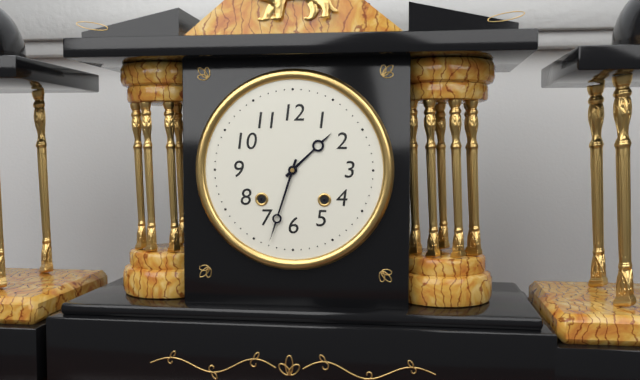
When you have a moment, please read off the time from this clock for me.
1:33
